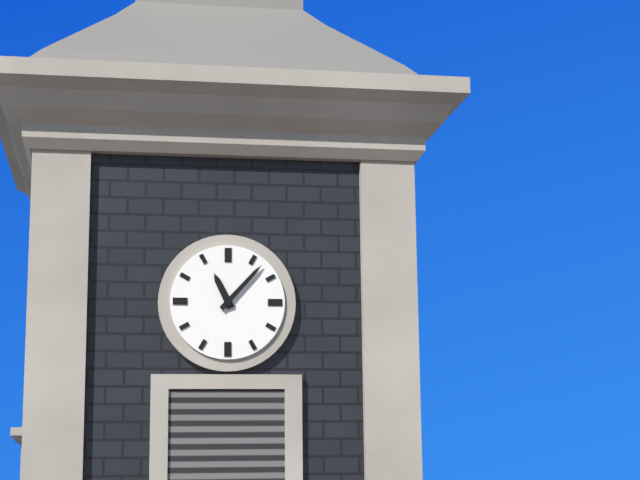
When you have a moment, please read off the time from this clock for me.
11:07
